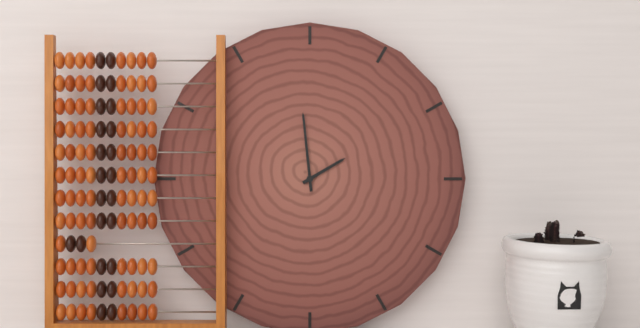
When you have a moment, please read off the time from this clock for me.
1:59
